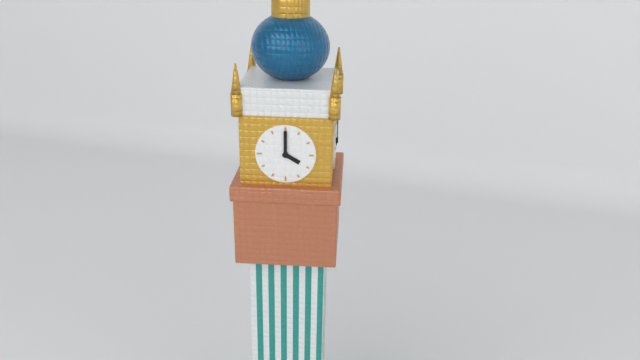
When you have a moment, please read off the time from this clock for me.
4:00
